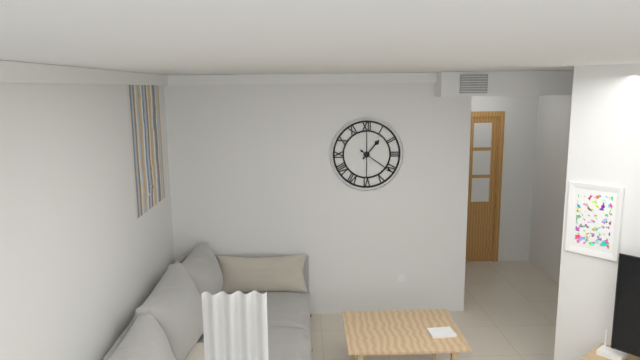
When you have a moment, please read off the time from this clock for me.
1:21
